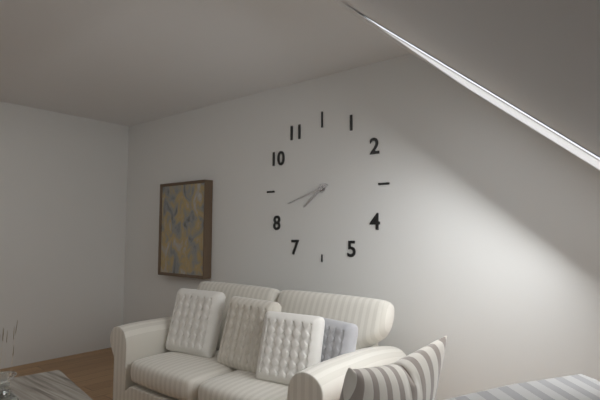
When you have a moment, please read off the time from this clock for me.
7:42
